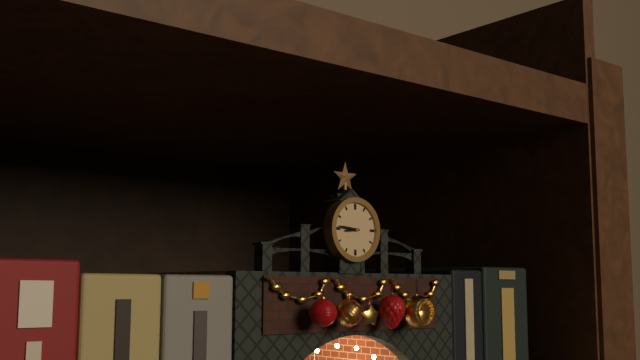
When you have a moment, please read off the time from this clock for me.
8:46
